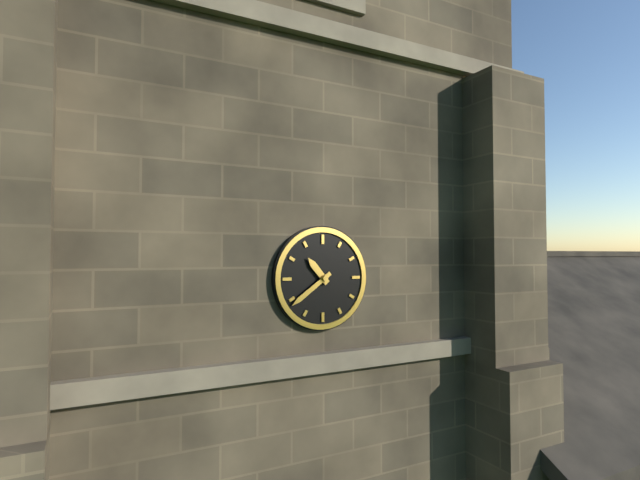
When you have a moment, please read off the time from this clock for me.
10:39
